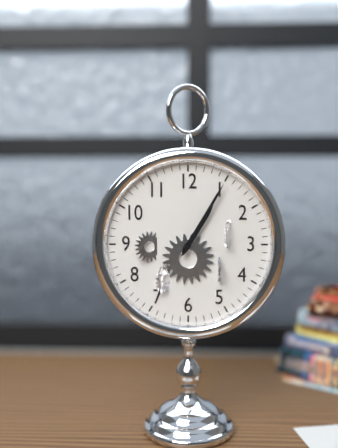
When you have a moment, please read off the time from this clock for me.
1:05
